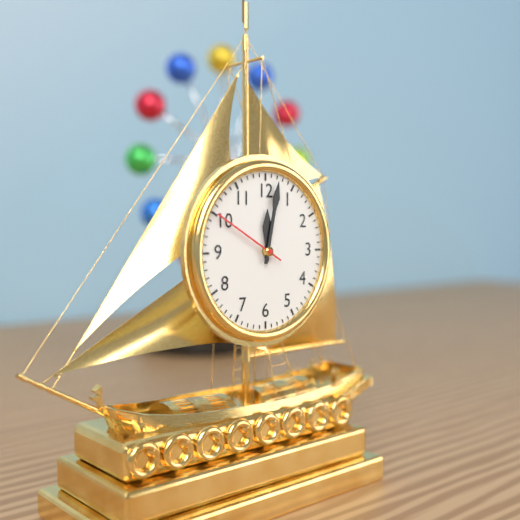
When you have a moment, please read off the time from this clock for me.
12:02:50
